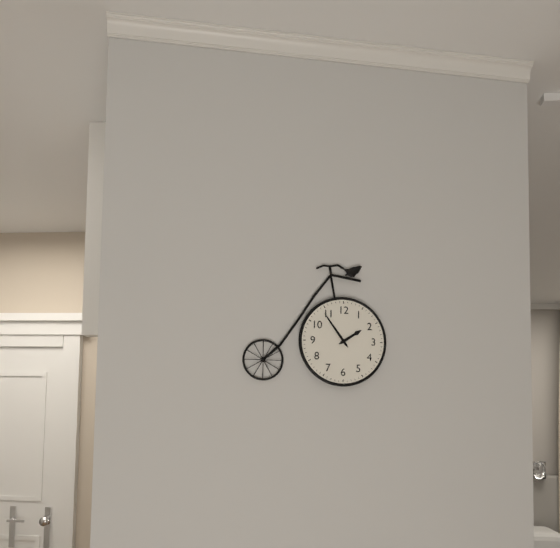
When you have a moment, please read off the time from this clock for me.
1:54
